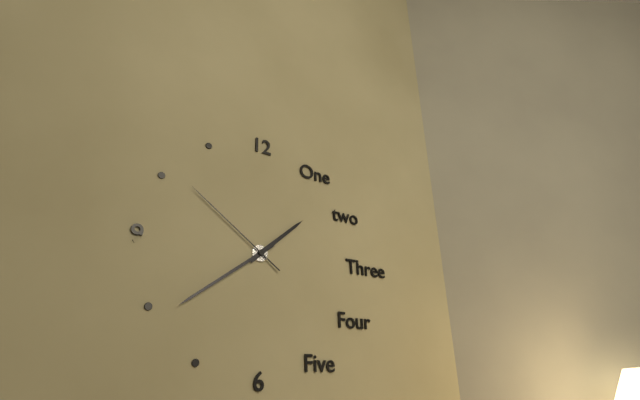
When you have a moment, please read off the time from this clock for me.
1:39:51
